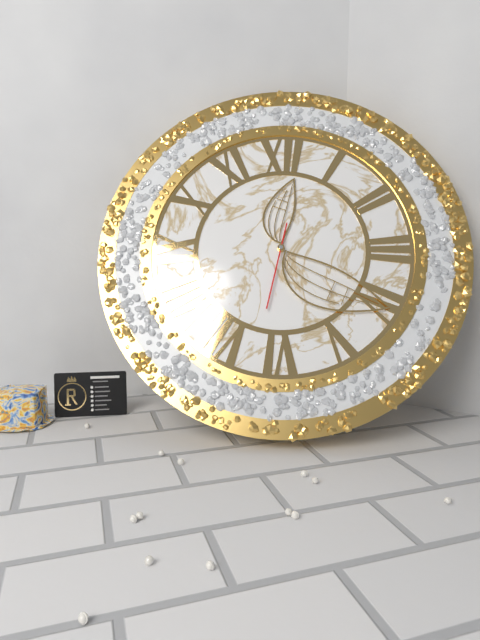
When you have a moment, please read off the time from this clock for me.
12:20:32
